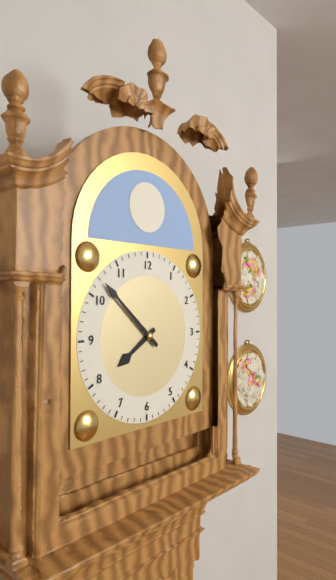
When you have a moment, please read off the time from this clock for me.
7:52
